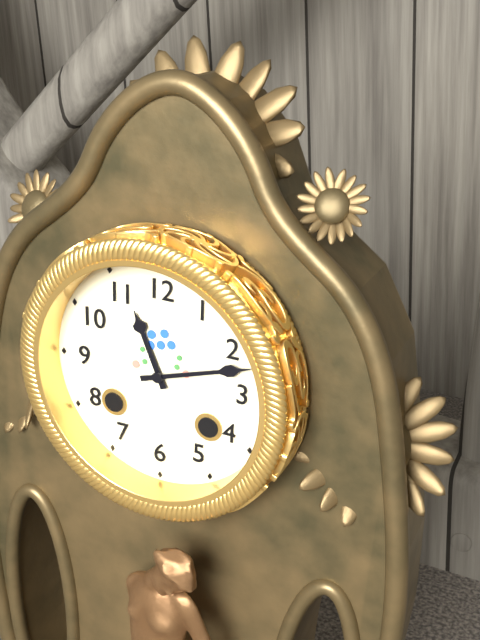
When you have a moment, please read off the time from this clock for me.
11:12
